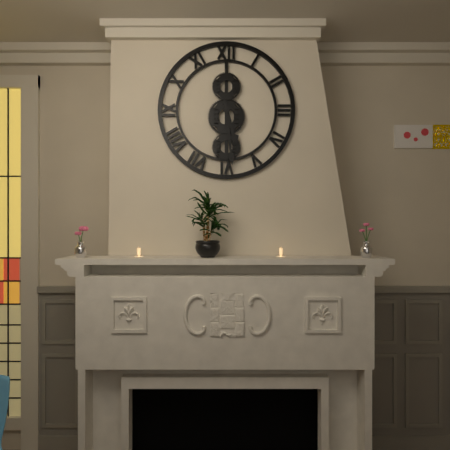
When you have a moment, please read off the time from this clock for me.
5:29
